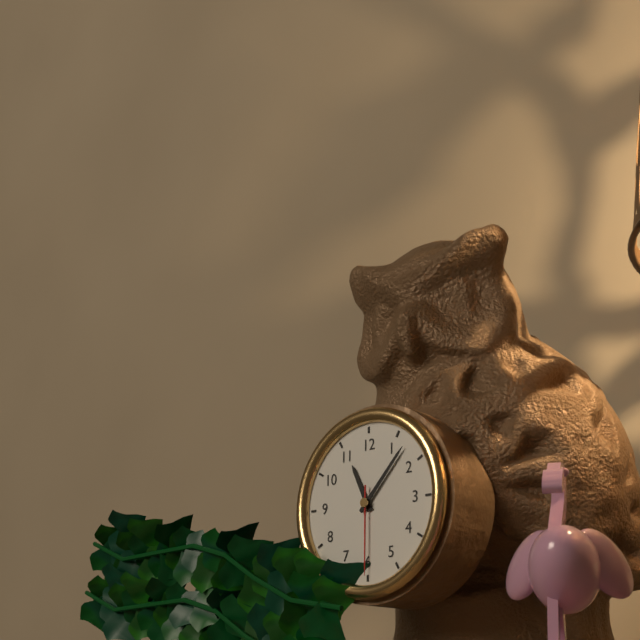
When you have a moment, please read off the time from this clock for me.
11:07:30
